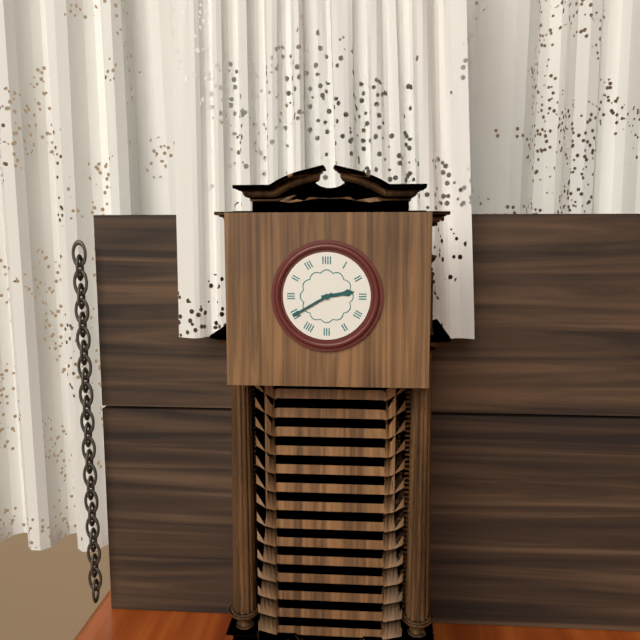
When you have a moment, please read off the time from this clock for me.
2:40
